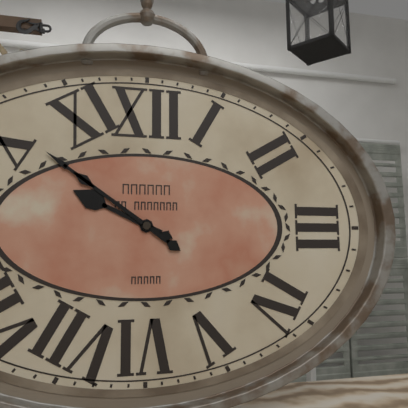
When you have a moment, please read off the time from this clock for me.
9:51
